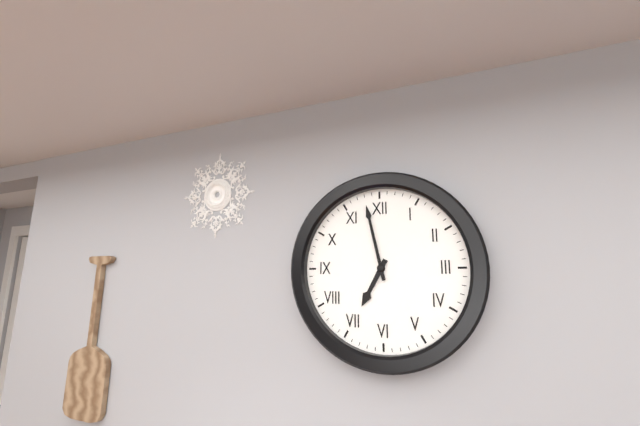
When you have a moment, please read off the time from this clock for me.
6:58
